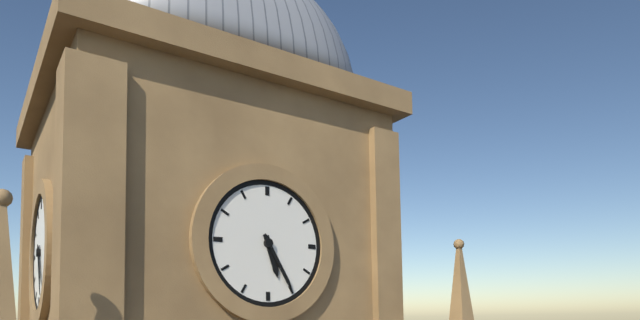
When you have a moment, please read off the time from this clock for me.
5:25
